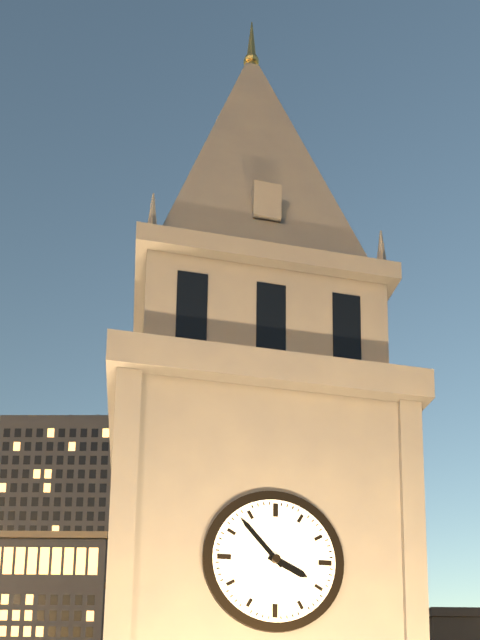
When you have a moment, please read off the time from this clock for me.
3:53
